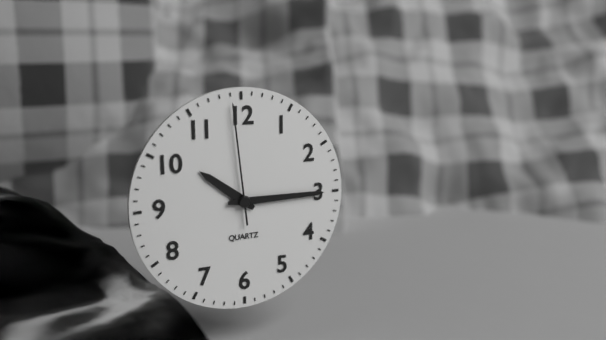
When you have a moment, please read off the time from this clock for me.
10:15:59
